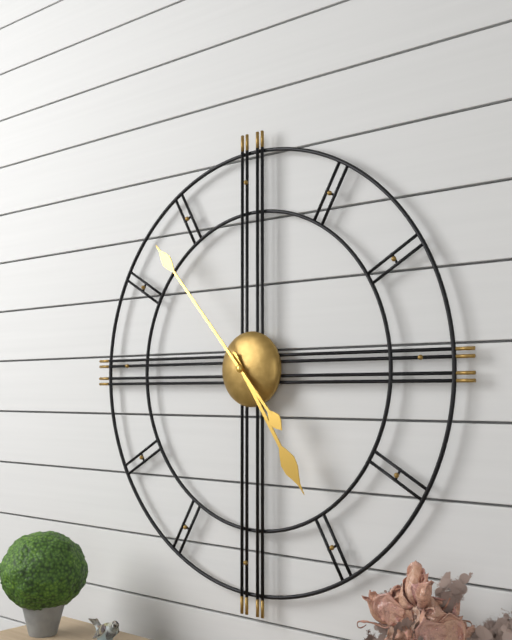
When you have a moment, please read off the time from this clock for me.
4:53
